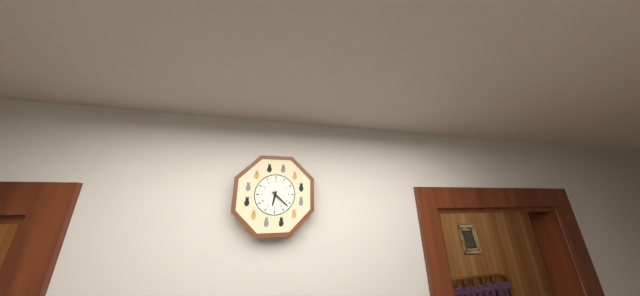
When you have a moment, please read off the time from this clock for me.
6:22
